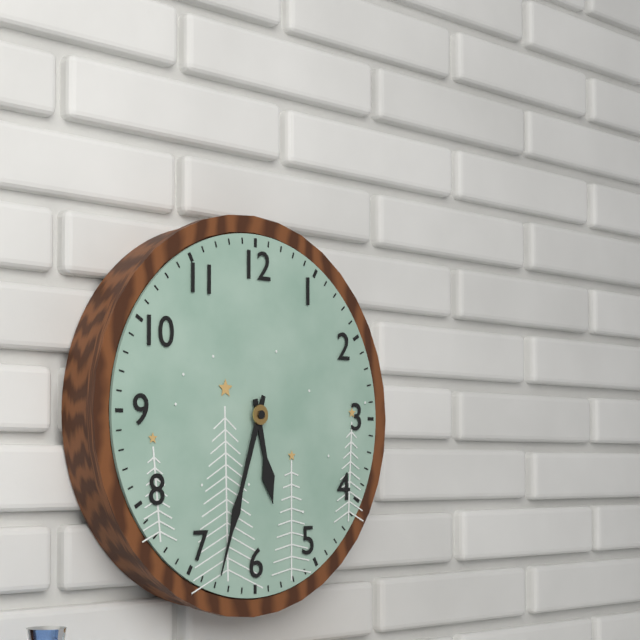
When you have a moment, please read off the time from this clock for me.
5:33
